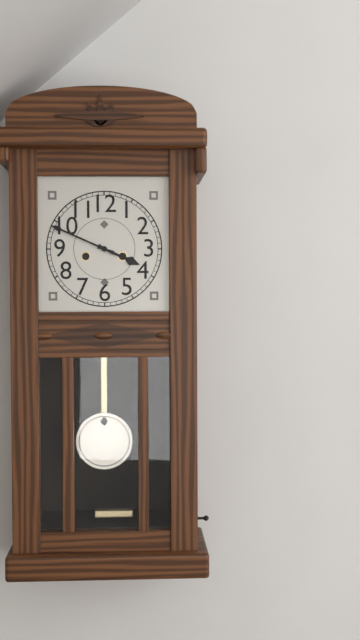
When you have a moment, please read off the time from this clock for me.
3:49
